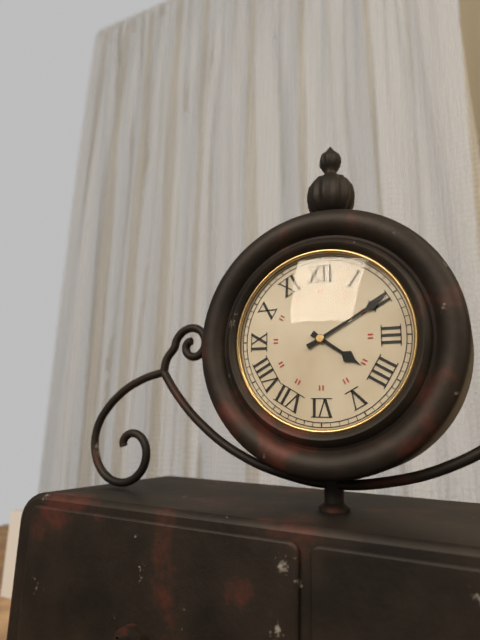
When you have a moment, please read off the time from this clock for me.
4:10
